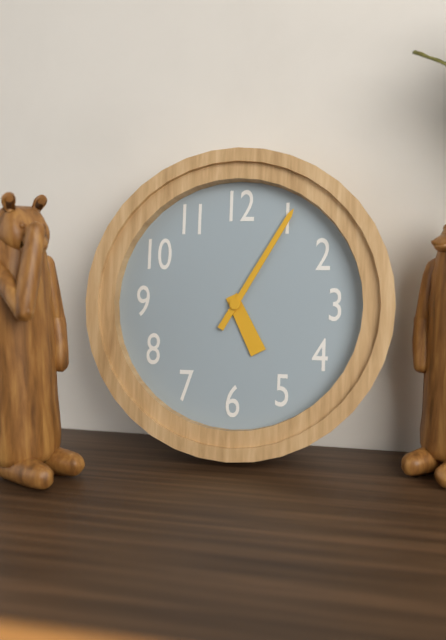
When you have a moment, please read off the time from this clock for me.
5:05
